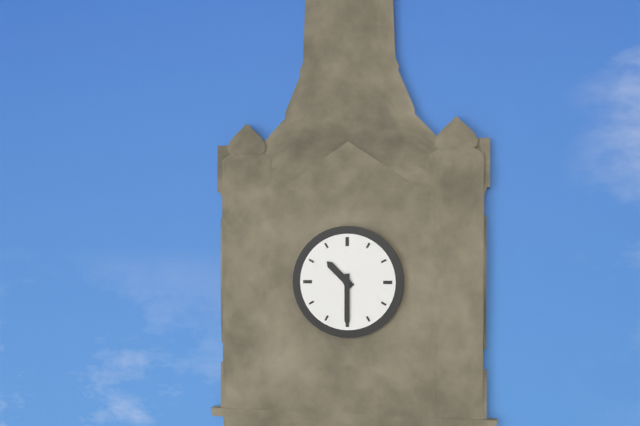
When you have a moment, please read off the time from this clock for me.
10:30
